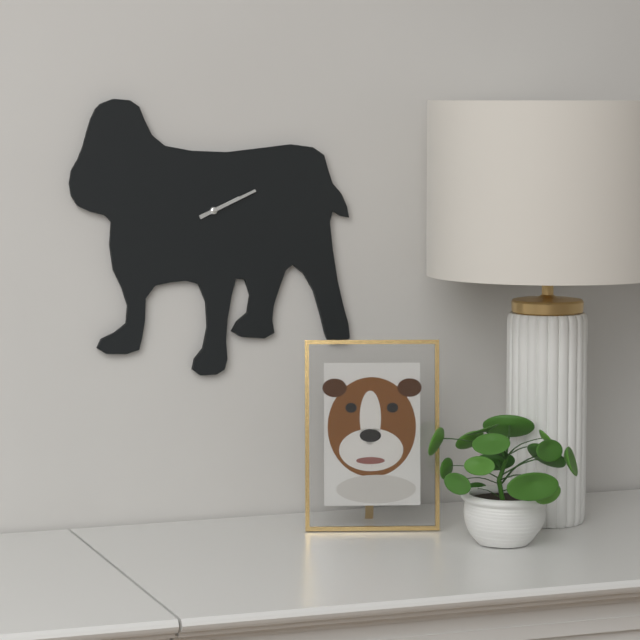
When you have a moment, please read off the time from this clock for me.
2:11
